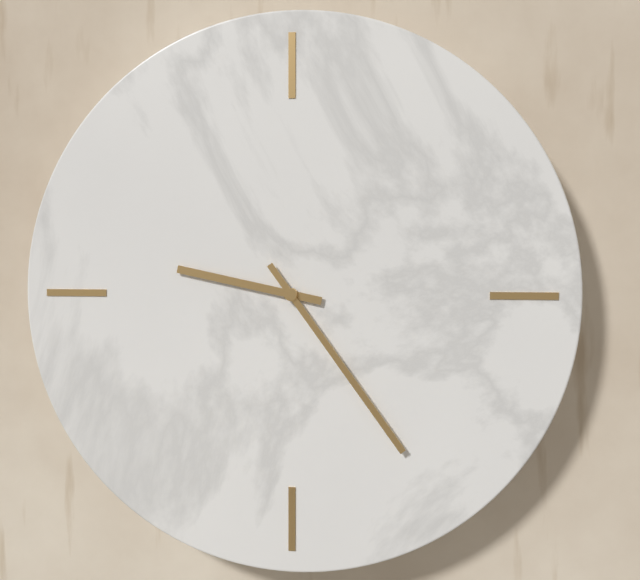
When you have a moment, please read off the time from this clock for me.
9:24
